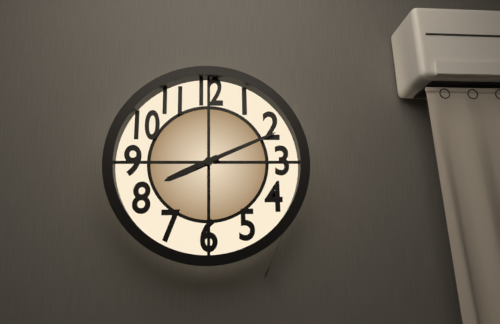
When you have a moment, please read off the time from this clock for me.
8:11
